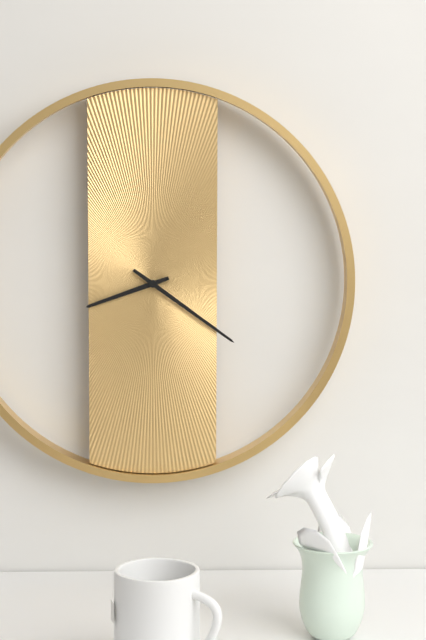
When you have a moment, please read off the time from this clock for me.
8:21
